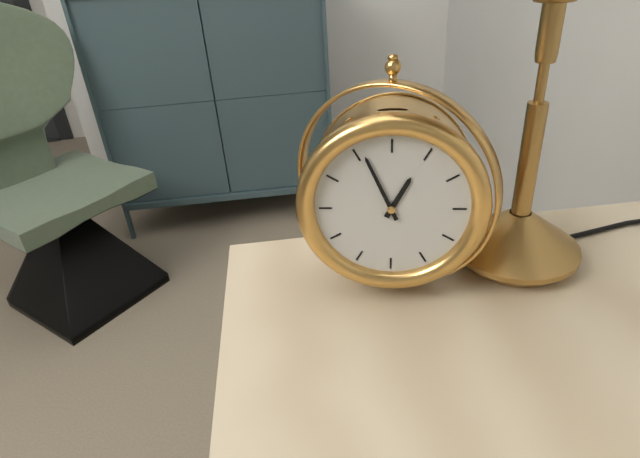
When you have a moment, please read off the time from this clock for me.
12:56
